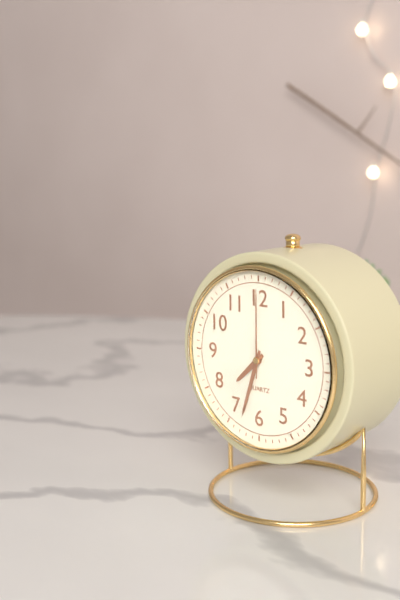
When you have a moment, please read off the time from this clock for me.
7:33:00
